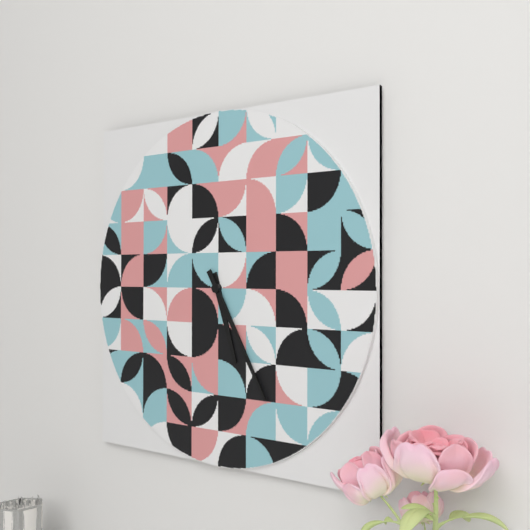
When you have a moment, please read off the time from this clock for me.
5:25
